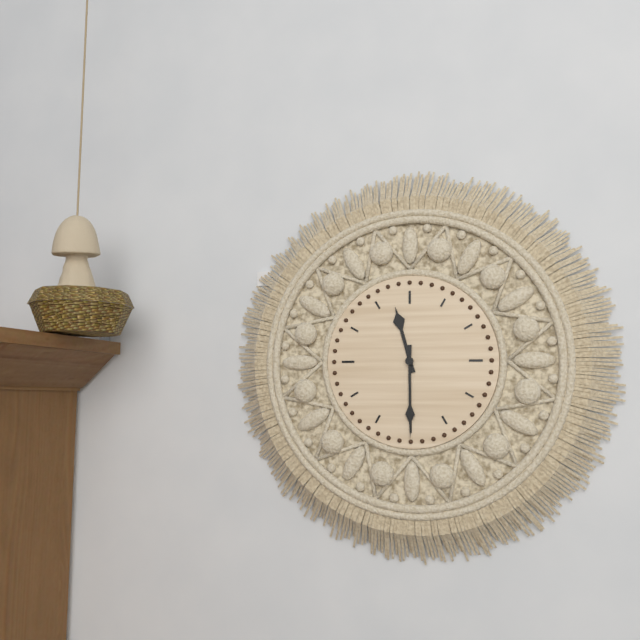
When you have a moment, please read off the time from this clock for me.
11:30
